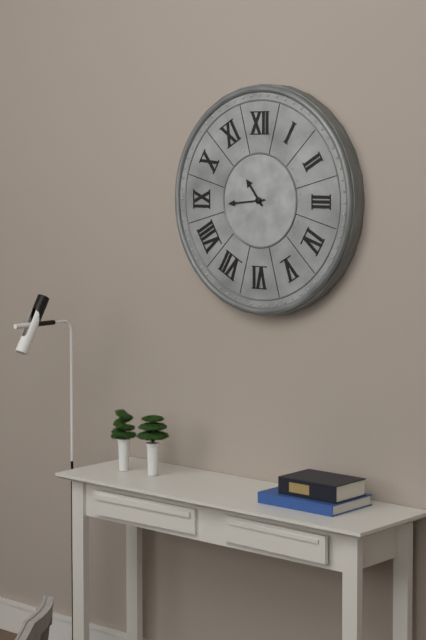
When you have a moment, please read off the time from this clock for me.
10:44
